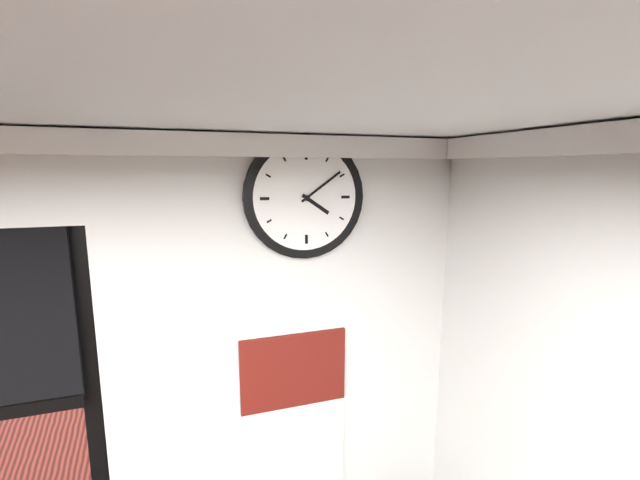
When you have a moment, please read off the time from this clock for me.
4:09
